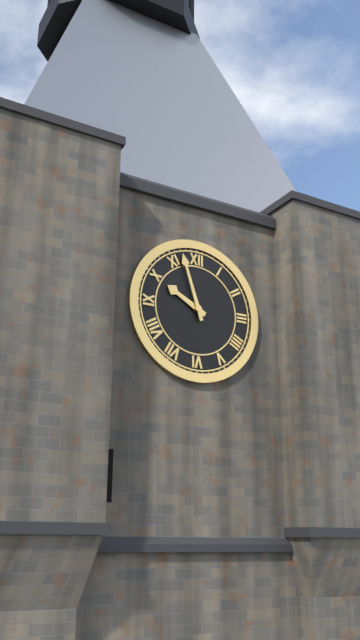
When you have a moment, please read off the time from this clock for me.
9:57
